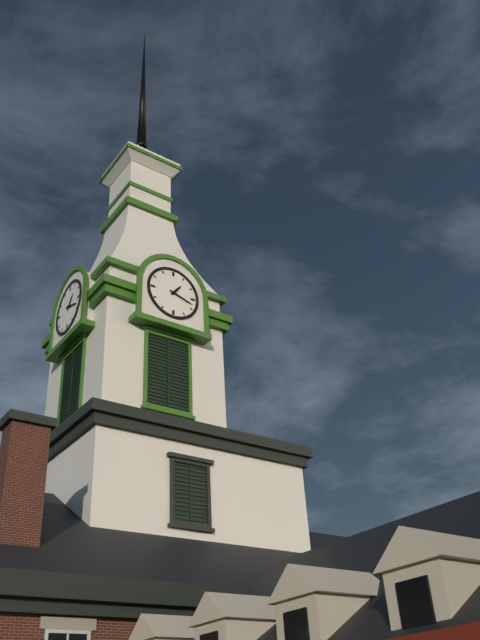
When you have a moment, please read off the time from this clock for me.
1:18
